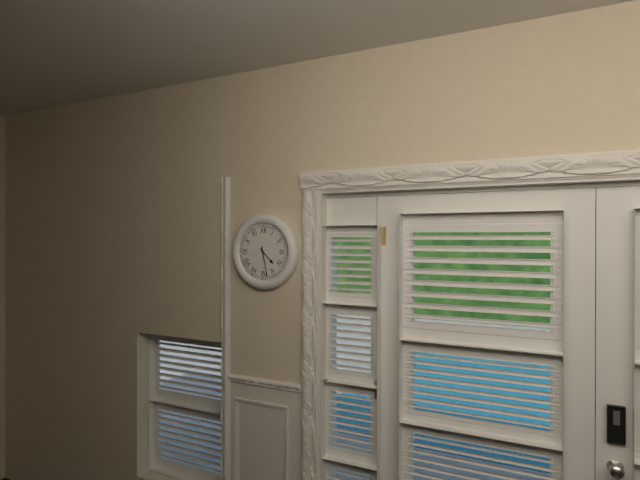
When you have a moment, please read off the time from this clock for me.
4:28
